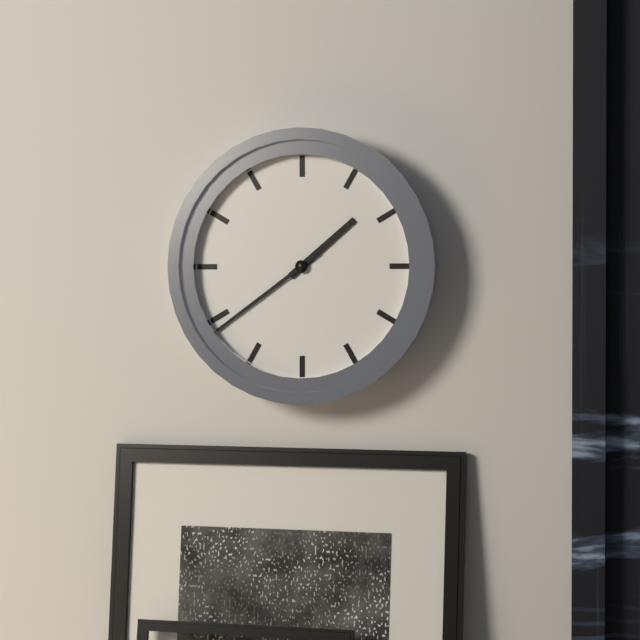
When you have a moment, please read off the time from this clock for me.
1:39
